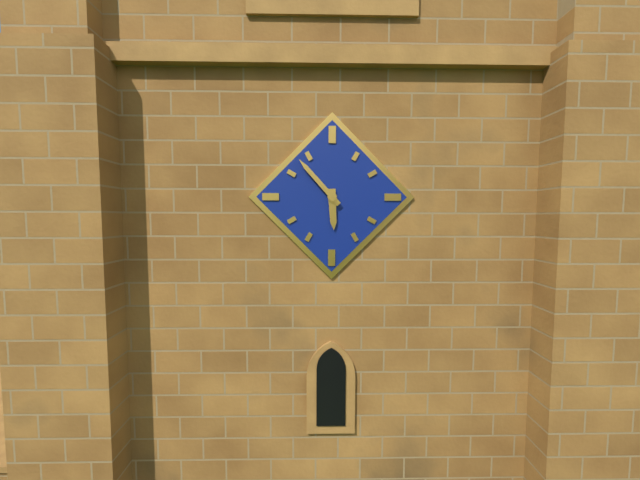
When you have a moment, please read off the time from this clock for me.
5:53
